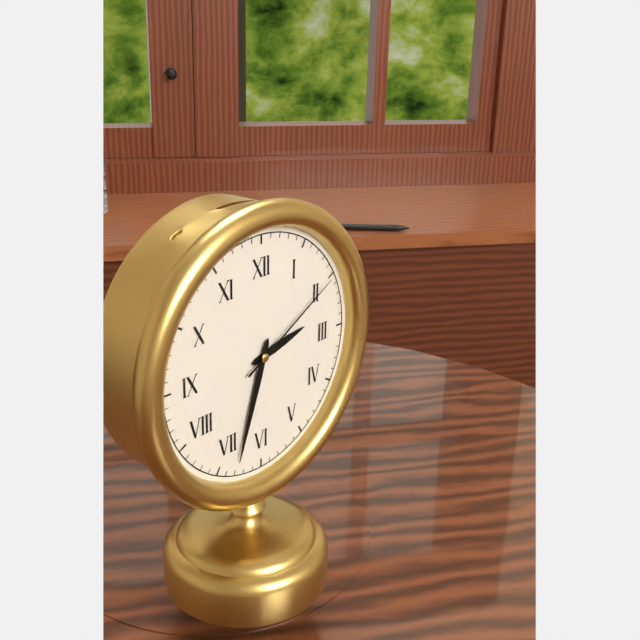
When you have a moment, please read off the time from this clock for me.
2:33:10
